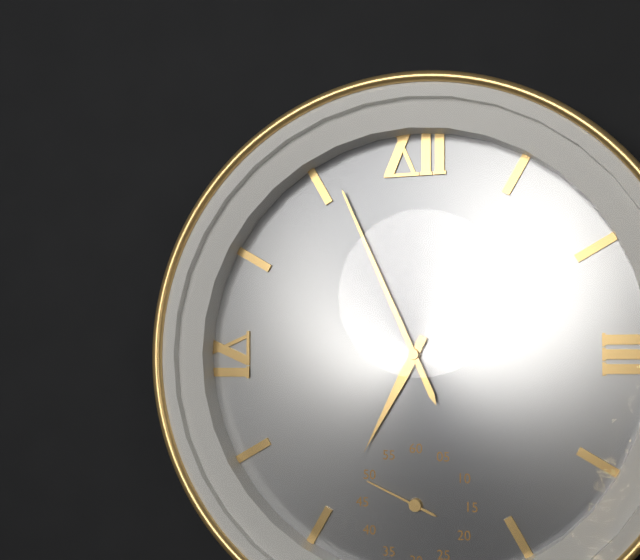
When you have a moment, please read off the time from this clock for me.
6:56:49
